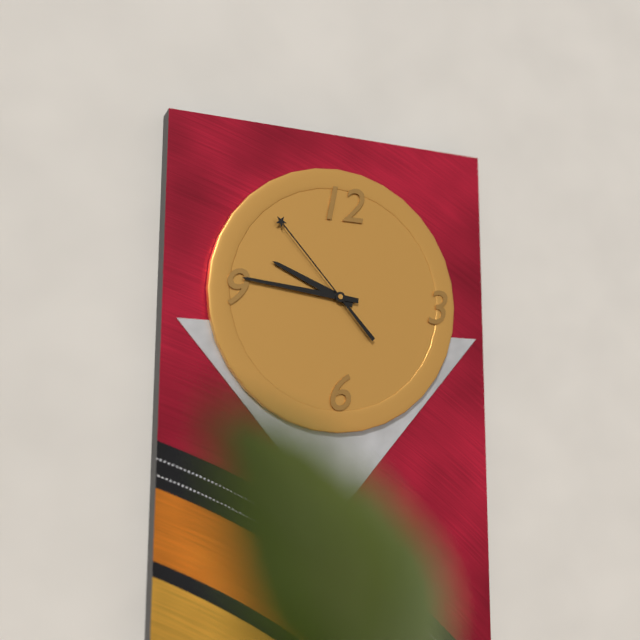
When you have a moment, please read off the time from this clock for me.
9:46:53
